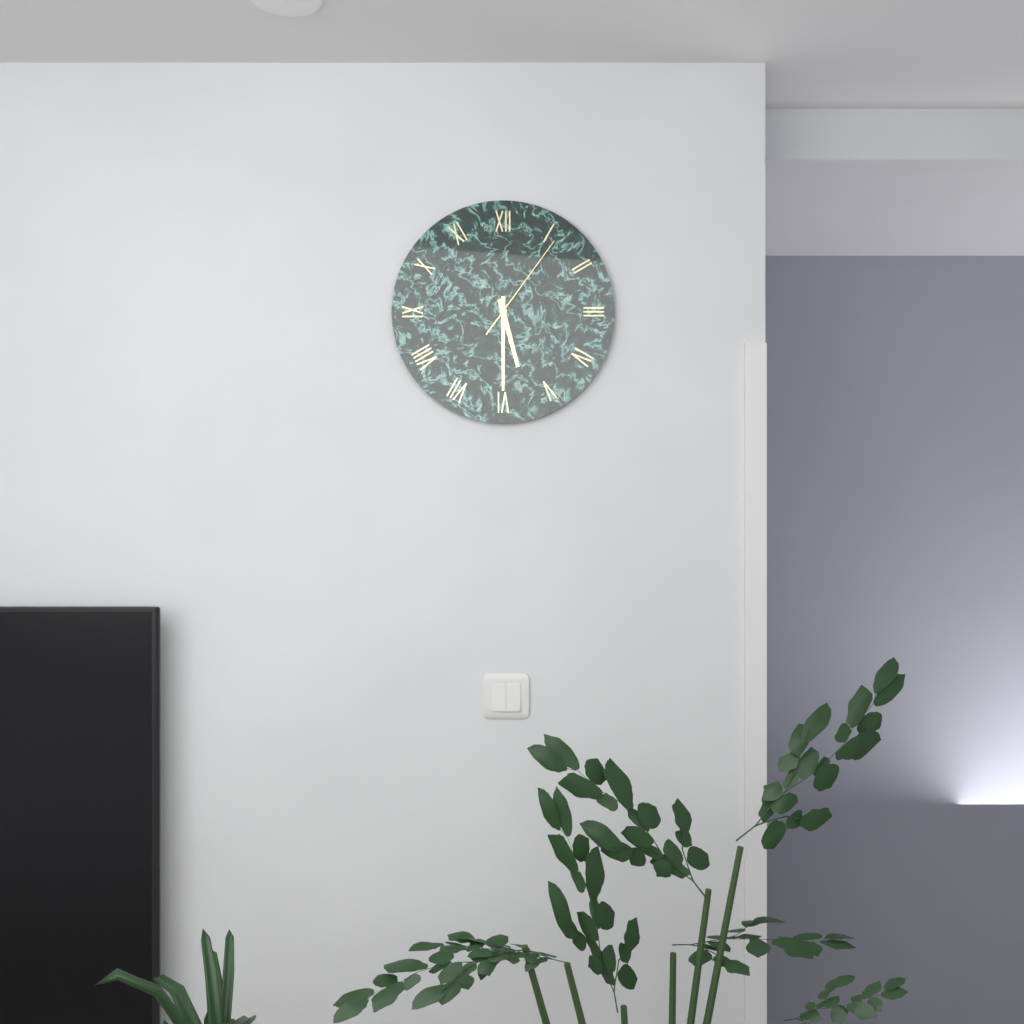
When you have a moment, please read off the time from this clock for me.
5:30:06
